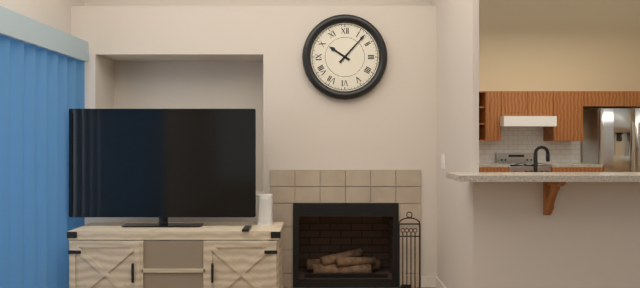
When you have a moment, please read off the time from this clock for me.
10:07
